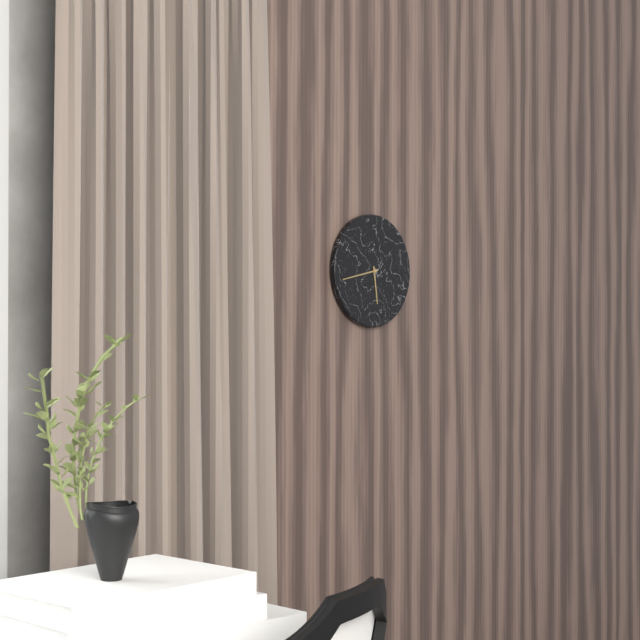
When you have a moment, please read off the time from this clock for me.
5:43
